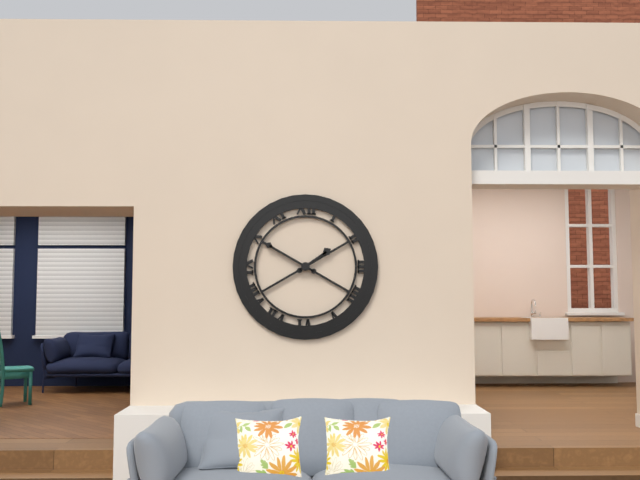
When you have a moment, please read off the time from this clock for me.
1:50
